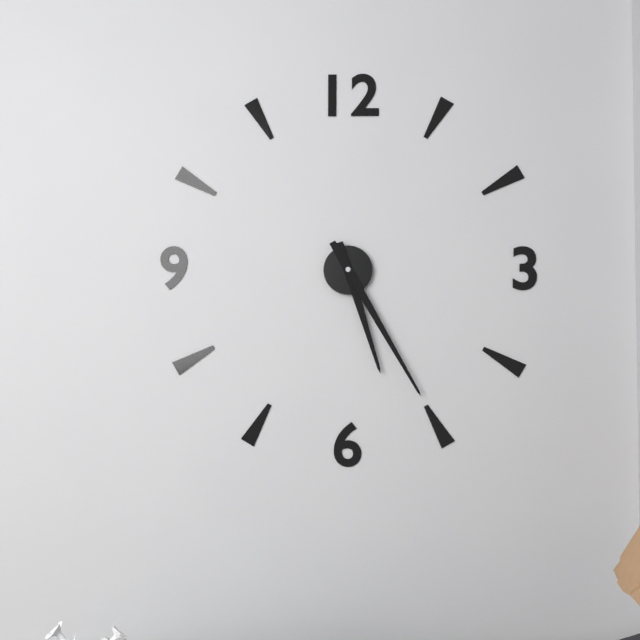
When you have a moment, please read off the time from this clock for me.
5:25
